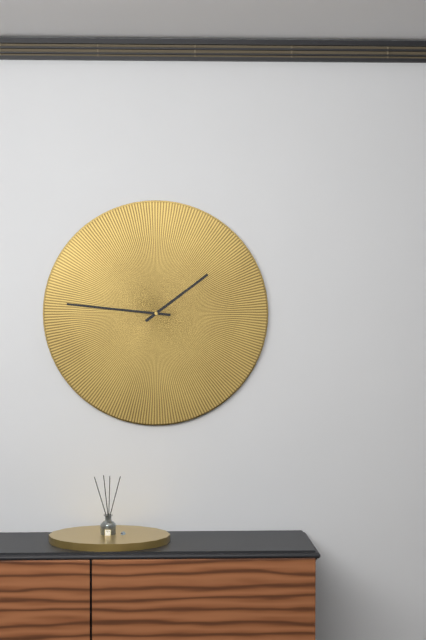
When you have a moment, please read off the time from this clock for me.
1:46
